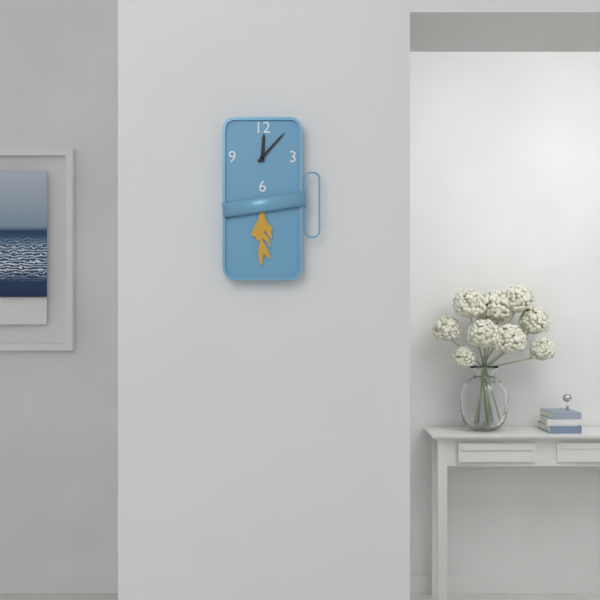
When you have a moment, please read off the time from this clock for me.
12:07
